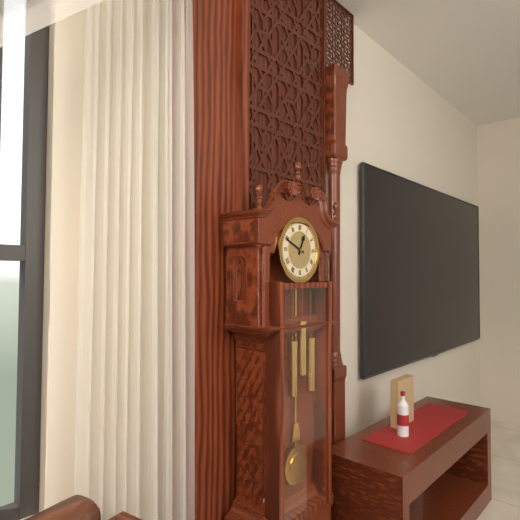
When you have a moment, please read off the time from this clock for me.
12:49
